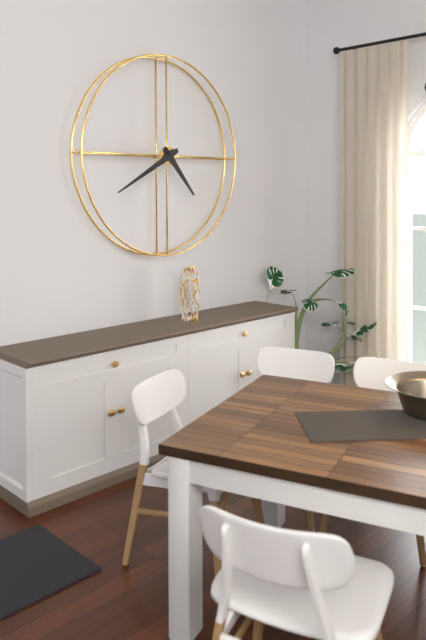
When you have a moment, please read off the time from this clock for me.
4:40
